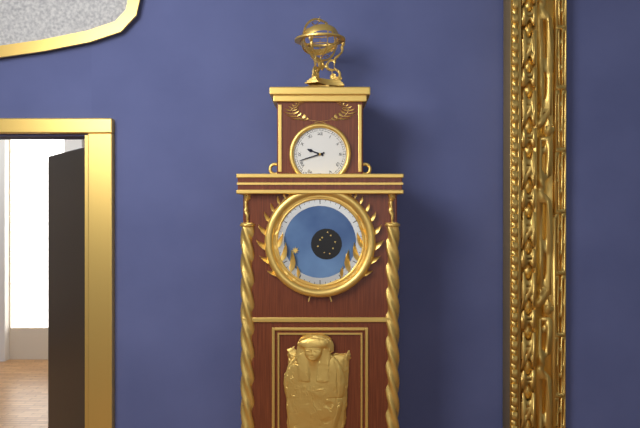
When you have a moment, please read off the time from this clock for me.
9:42
